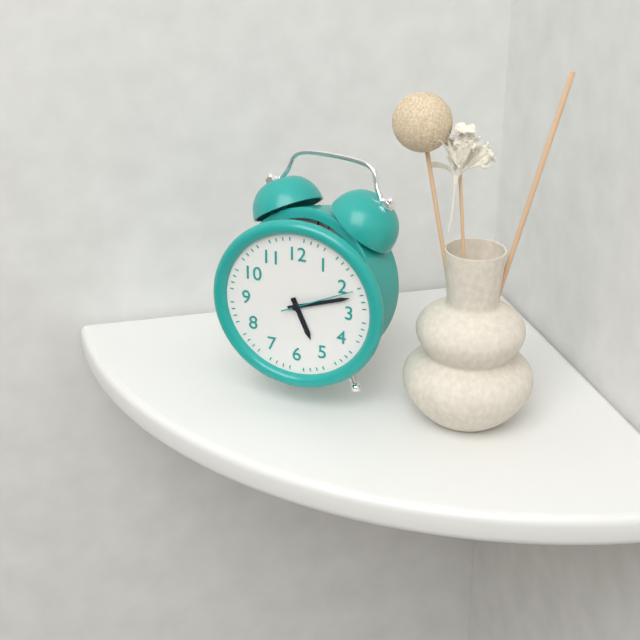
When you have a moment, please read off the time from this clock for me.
5:12:11
